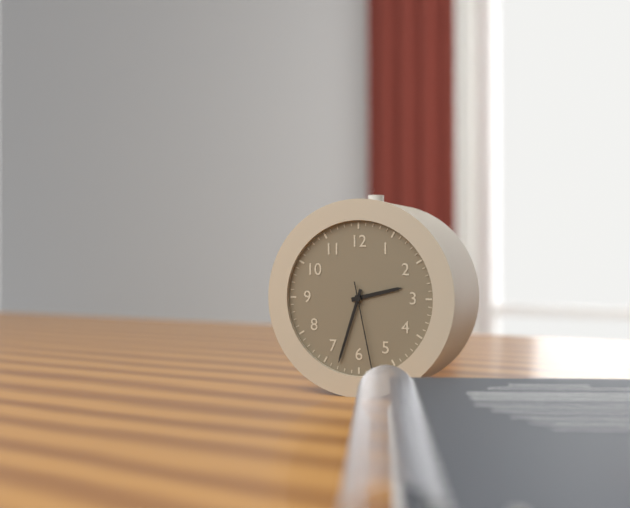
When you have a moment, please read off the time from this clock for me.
2:33:28
